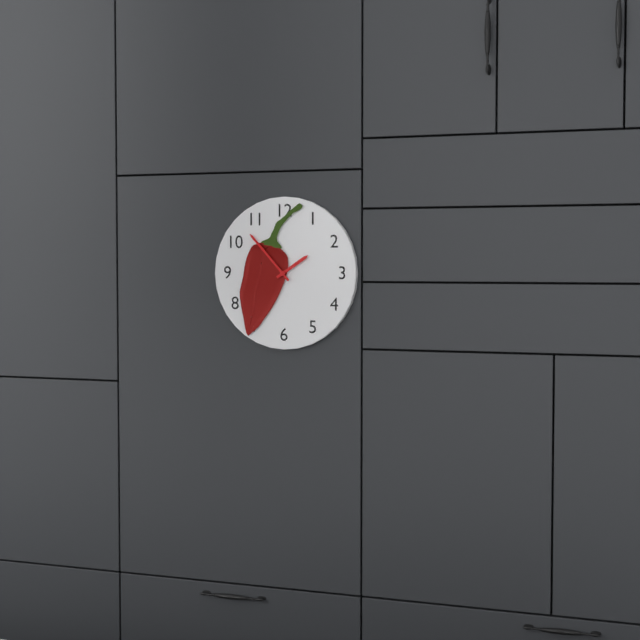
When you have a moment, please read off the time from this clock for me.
1:53
